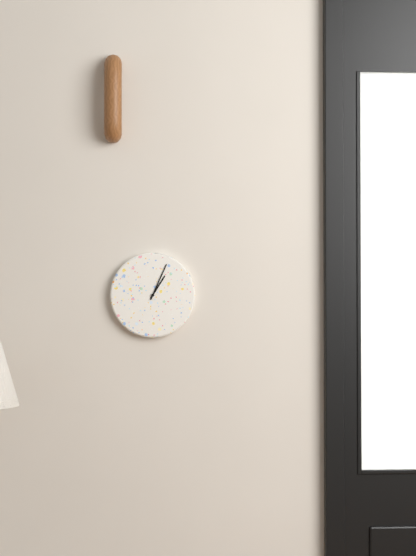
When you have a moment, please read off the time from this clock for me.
1:04
